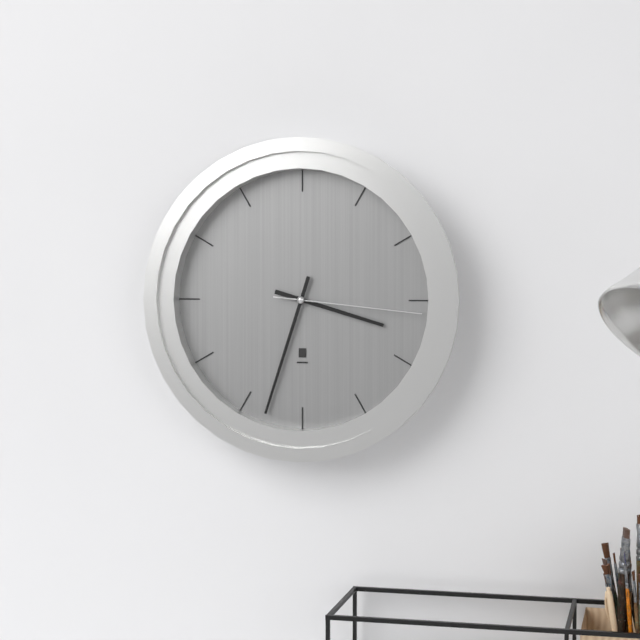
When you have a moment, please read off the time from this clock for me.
3:33:16
